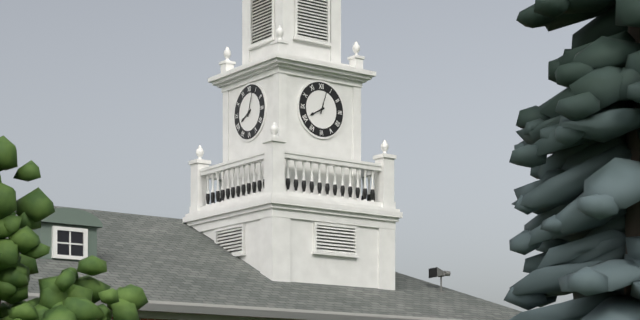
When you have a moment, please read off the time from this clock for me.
8:03
